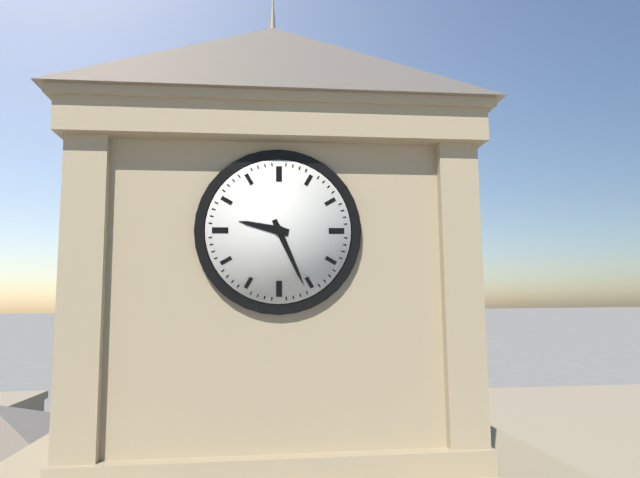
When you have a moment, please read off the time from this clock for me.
9:26
